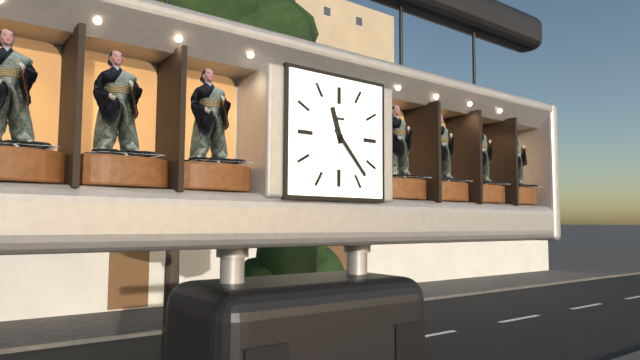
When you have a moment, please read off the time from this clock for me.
11:23
